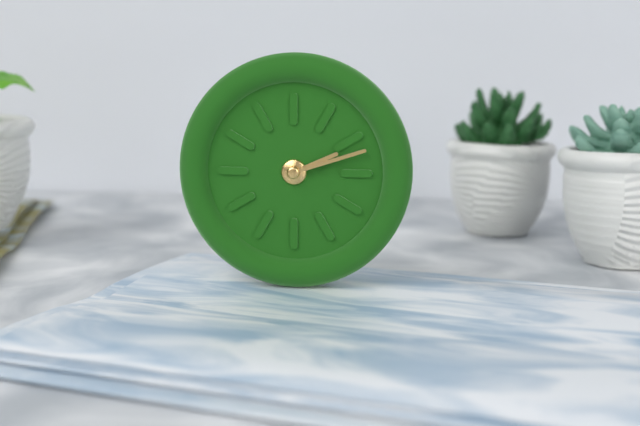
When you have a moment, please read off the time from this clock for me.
2:12
